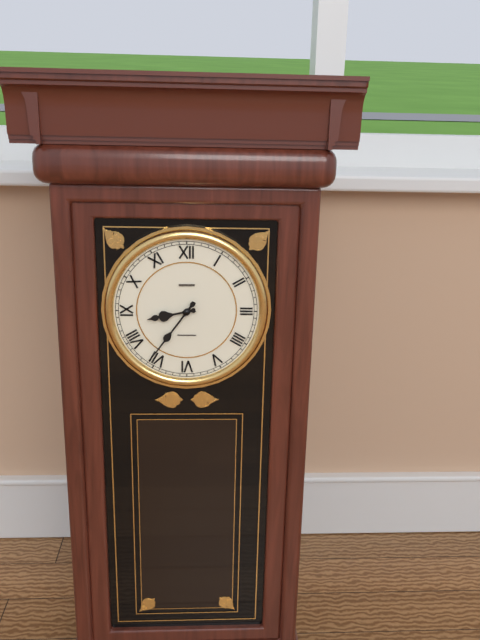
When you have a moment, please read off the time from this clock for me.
8:36
